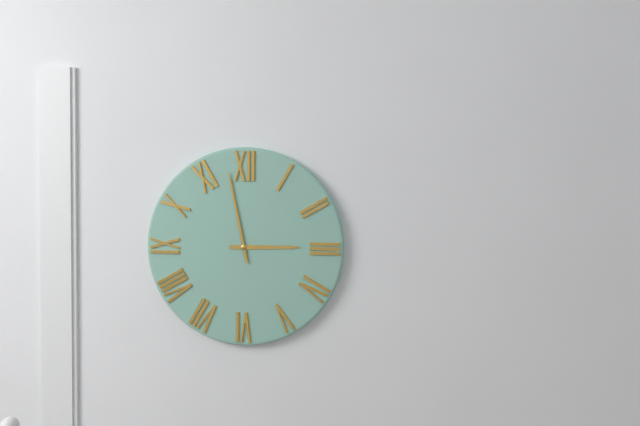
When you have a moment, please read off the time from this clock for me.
2:58
